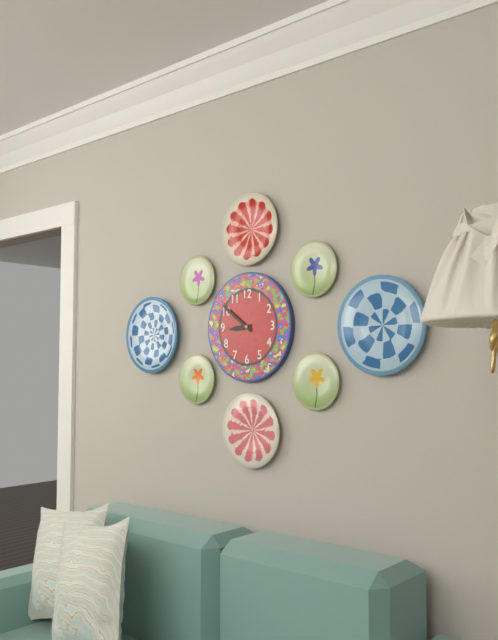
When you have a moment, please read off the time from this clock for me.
8:51
